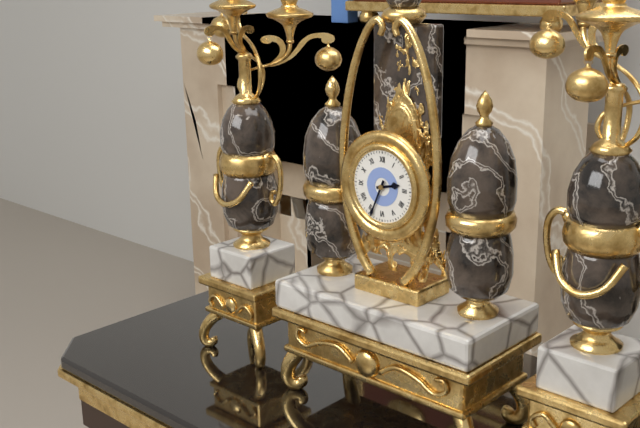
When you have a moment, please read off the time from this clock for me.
2:34
